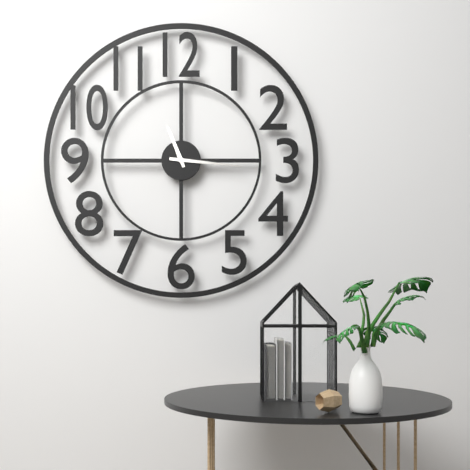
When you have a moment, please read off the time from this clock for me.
11:16
